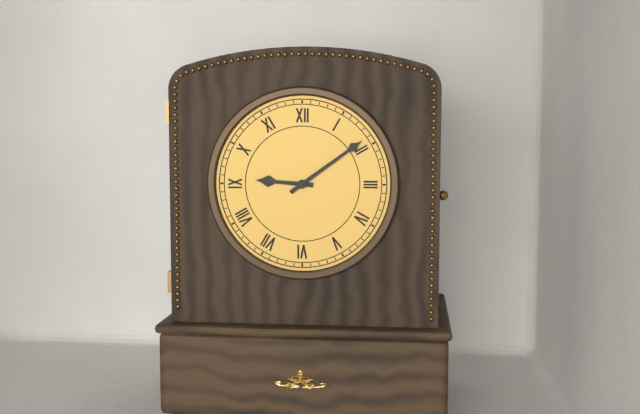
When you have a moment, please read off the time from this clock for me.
9:09
